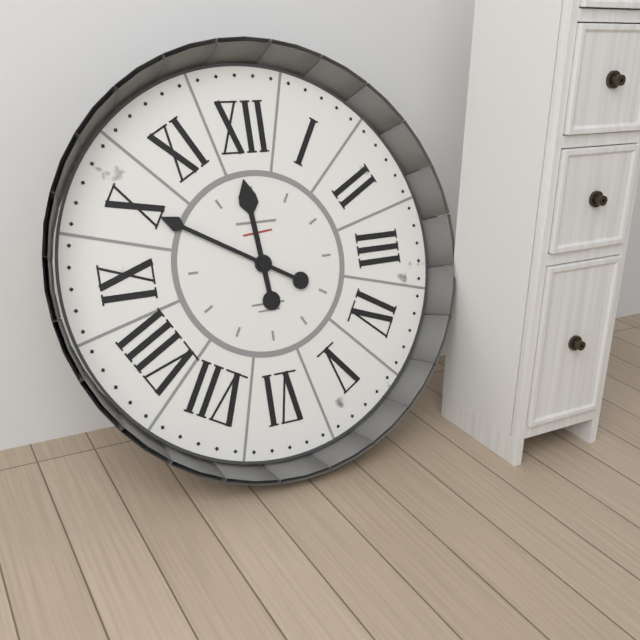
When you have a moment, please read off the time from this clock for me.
11:50
